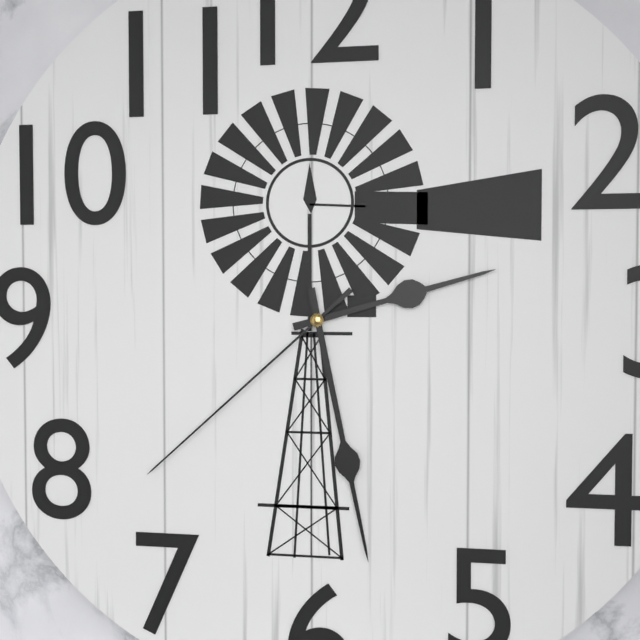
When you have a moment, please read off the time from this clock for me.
2:28:38
